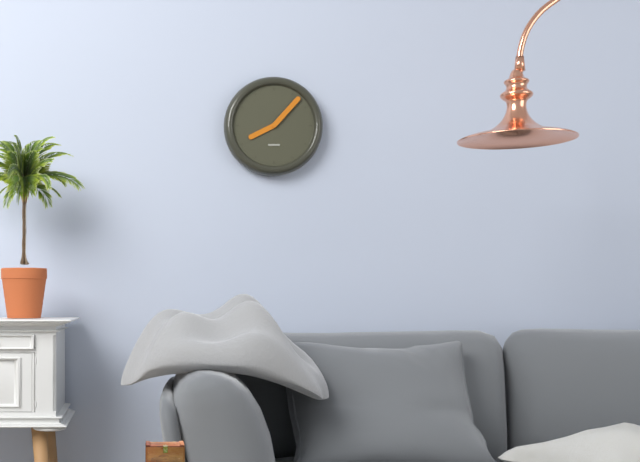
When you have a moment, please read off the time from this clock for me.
8:07
